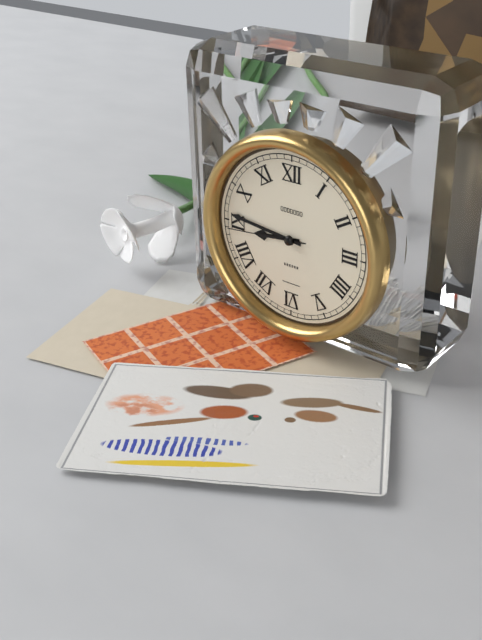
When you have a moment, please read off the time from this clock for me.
8:46:44
